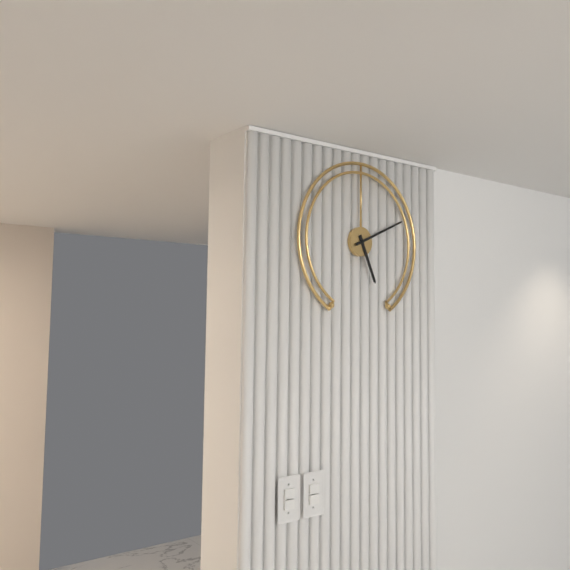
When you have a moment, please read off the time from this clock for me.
5:11
